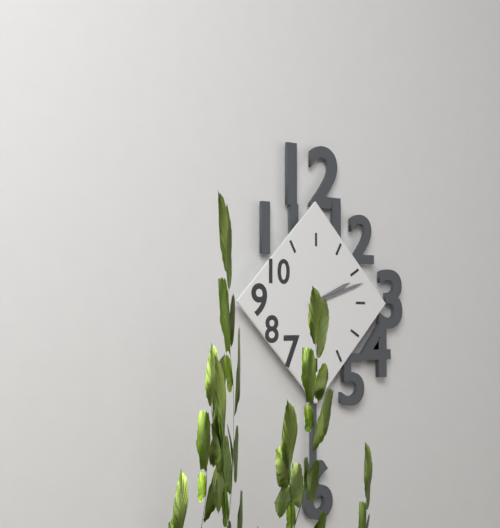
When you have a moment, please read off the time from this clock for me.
2:12
